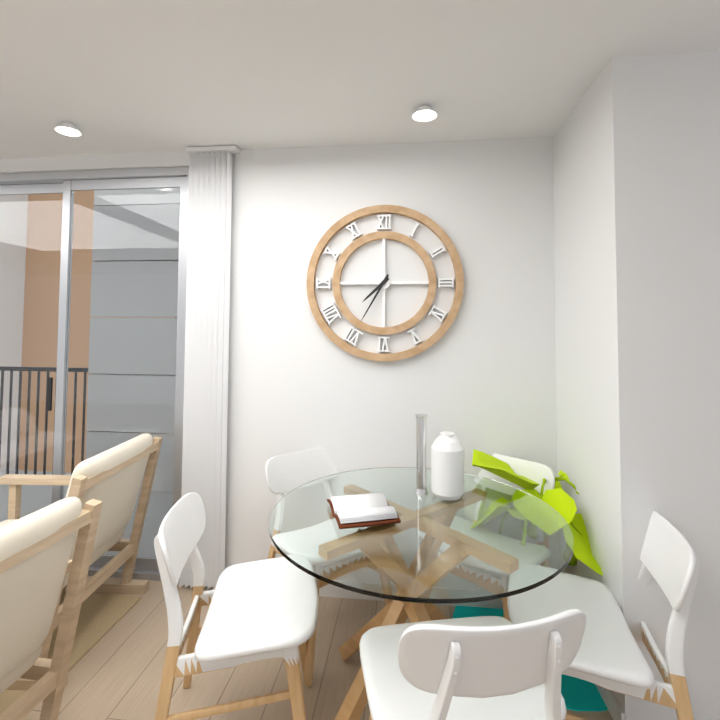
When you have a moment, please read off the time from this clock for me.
7:35
